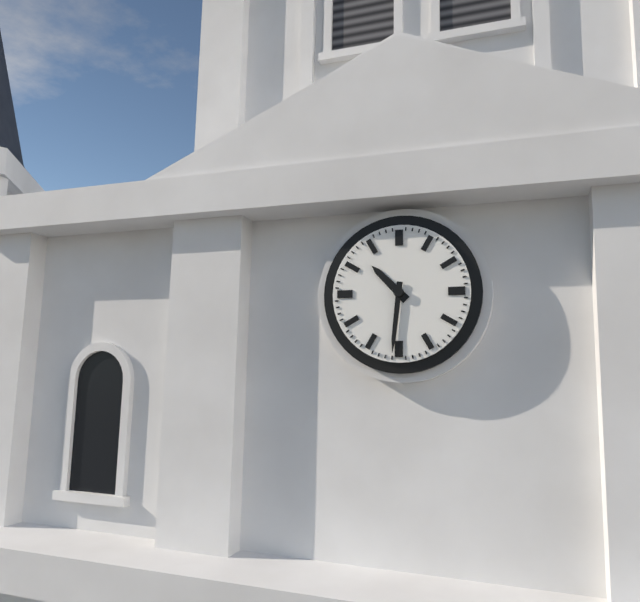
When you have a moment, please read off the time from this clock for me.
10:31
